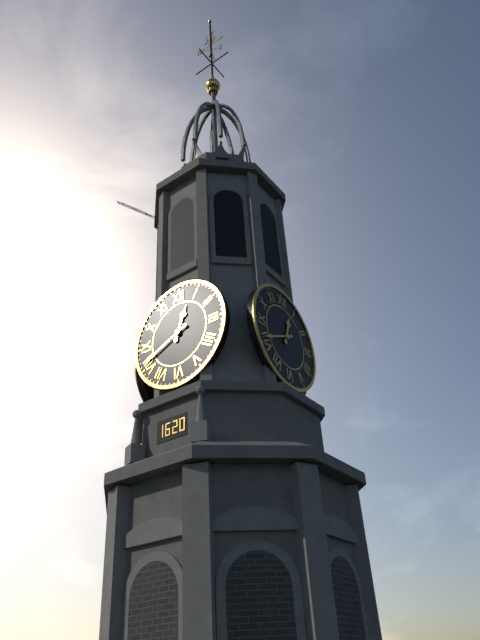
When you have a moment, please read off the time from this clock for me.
12:41
